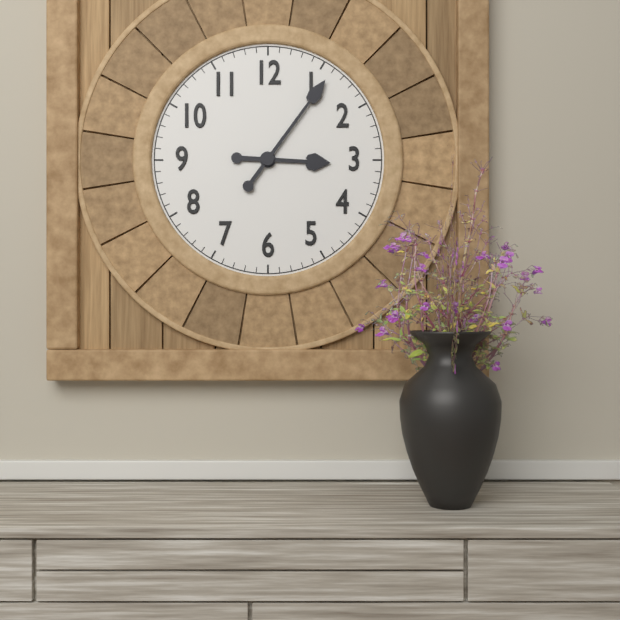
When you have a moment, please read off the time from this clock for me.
3:06
